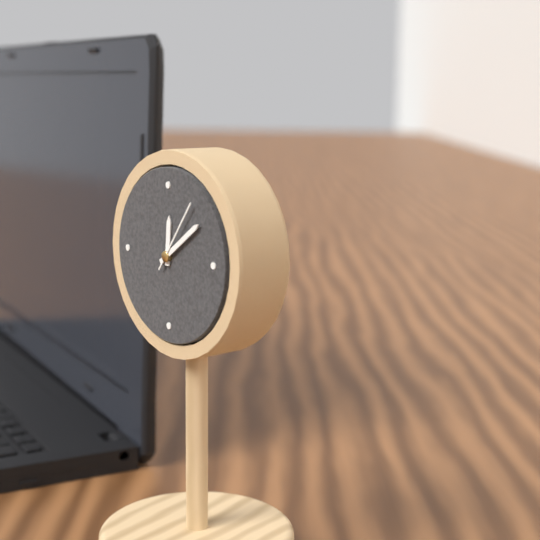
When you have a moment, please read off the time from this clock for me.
12:09:06
